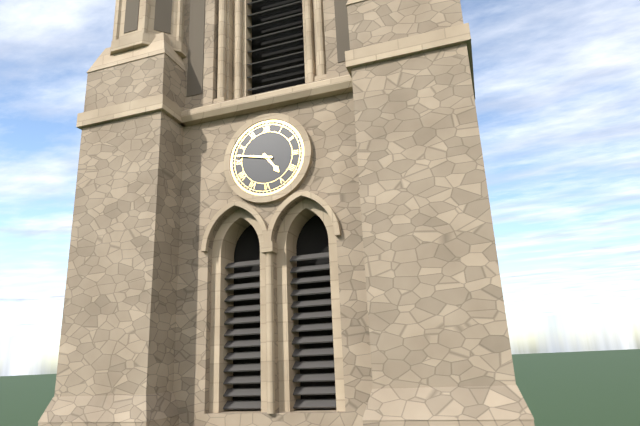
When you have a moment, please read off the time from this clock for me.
4:47
